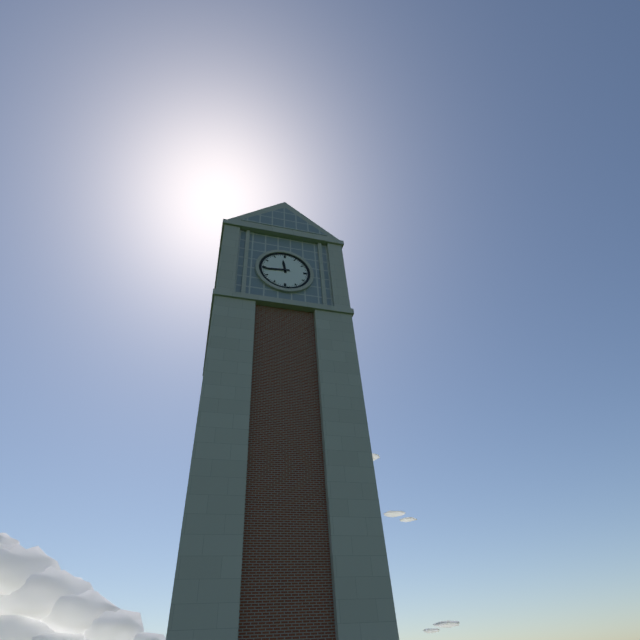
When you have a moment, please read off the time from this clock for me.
11:44
